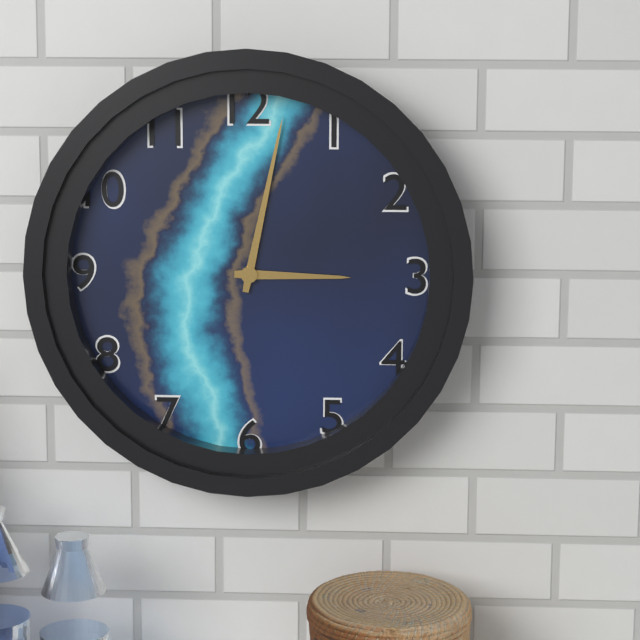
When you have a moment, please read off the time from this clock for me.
3:02
